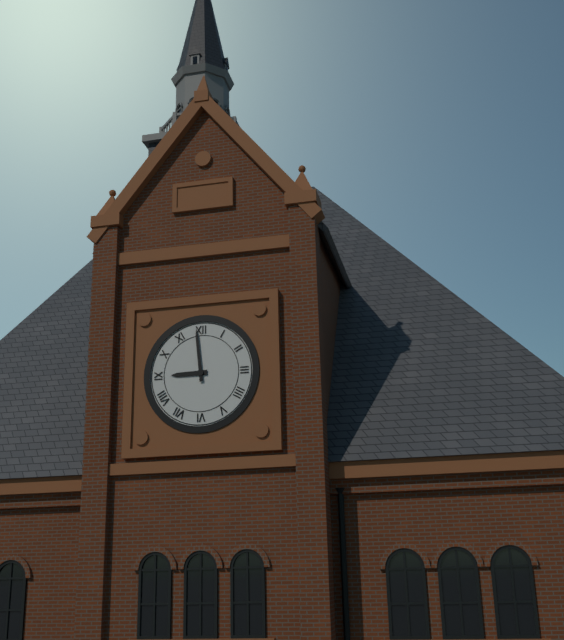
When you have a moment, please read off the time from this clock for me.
8:59
